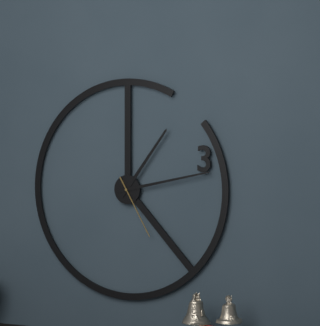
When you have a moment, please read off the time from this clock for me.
1:13:25
